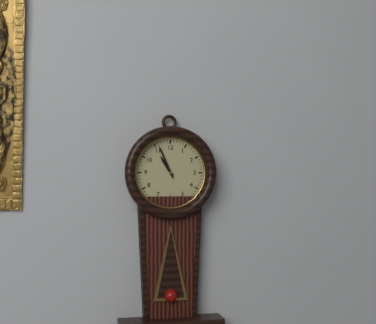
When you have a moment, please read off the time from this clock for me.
10:56
